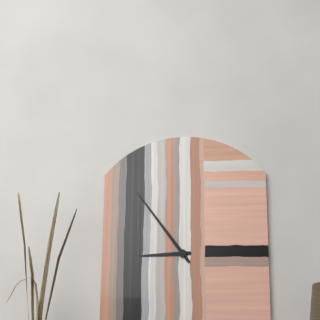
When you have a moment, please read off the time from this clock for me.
8:54
